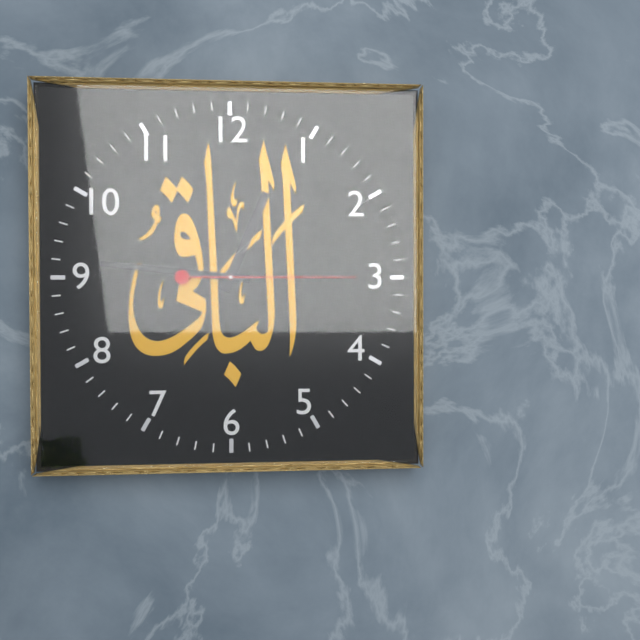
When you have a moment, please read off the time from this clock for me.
12:46:15
